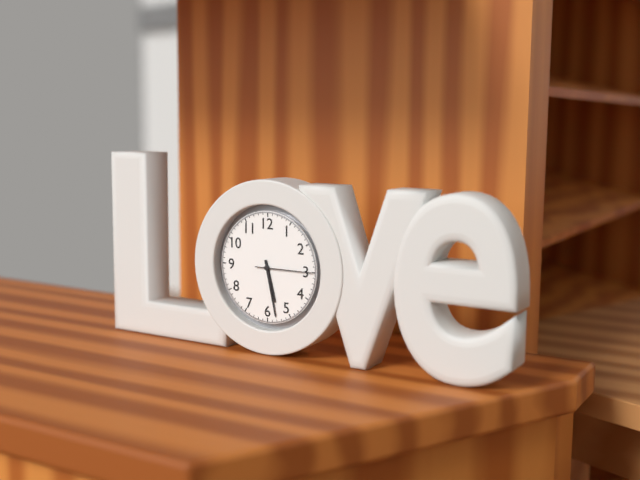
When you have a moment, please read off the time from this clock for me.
5:28:15
